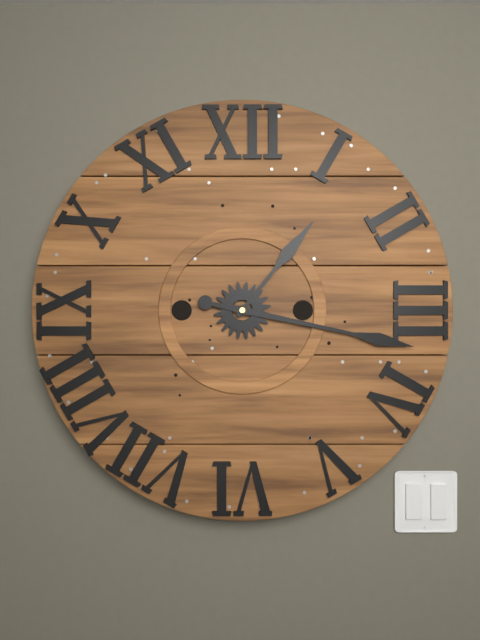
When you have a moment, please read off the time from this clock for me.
1:17
